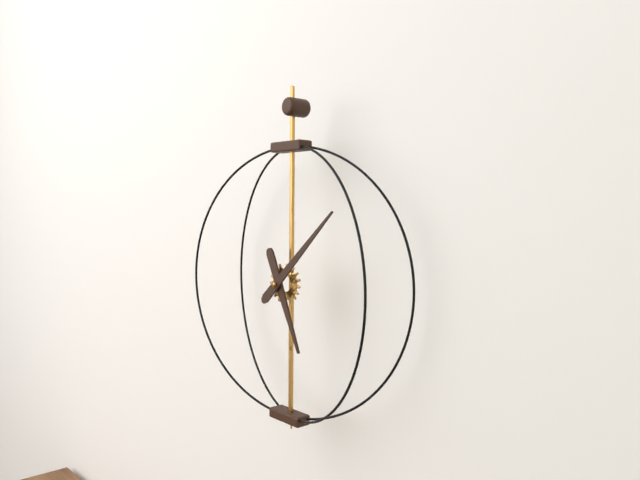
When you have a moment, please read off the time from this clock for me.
5:08
